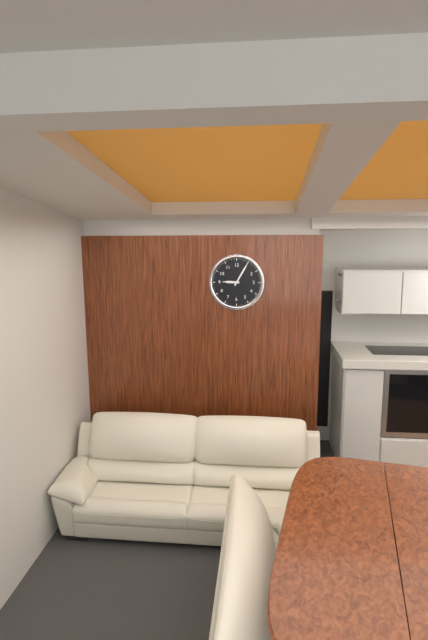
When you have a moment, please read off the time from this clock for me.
9:05
